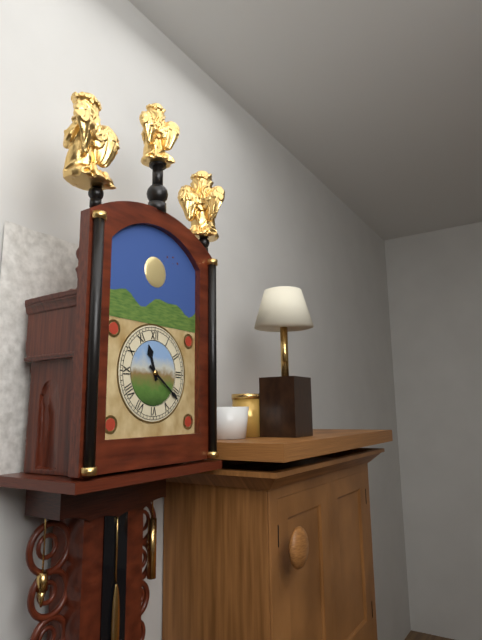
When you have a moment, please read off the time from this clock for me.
11:21
